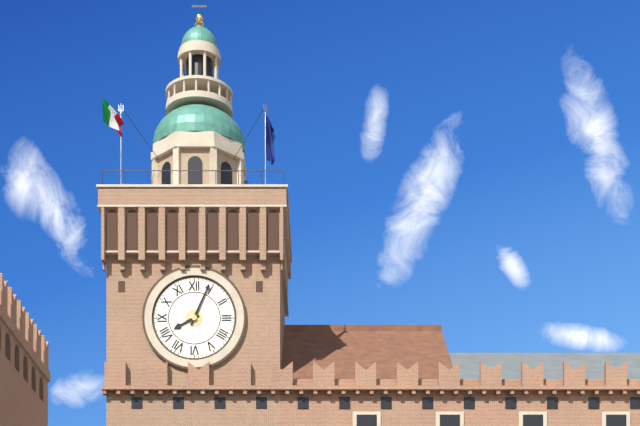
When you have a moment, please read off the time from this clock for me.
8:04
